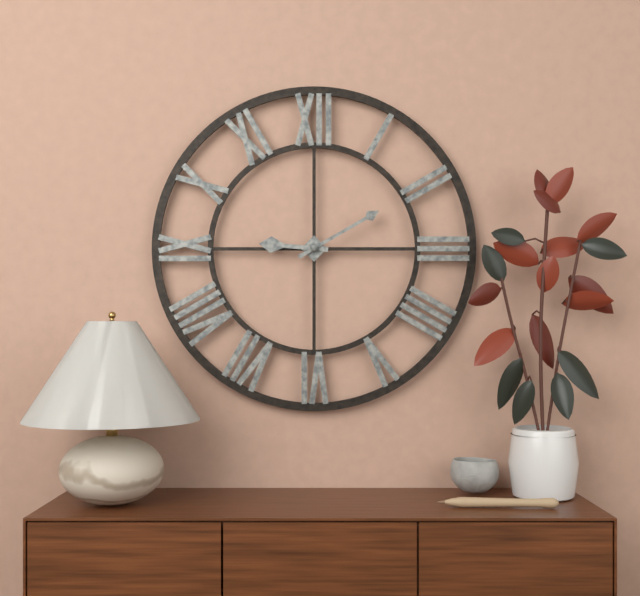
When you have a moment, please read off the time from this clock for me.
9:10
